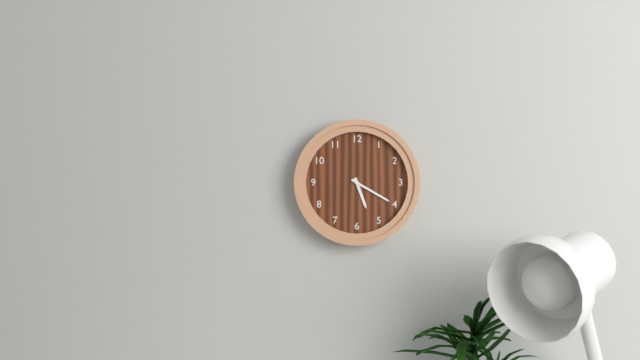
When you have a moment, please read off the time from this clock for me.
5:20
